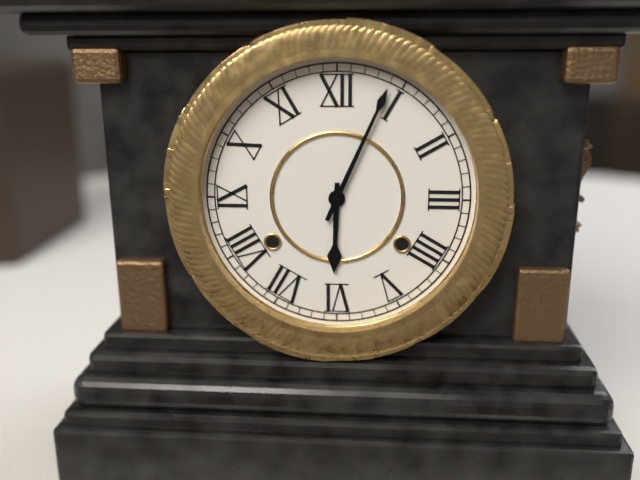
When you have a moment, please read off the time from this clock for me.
6:04
